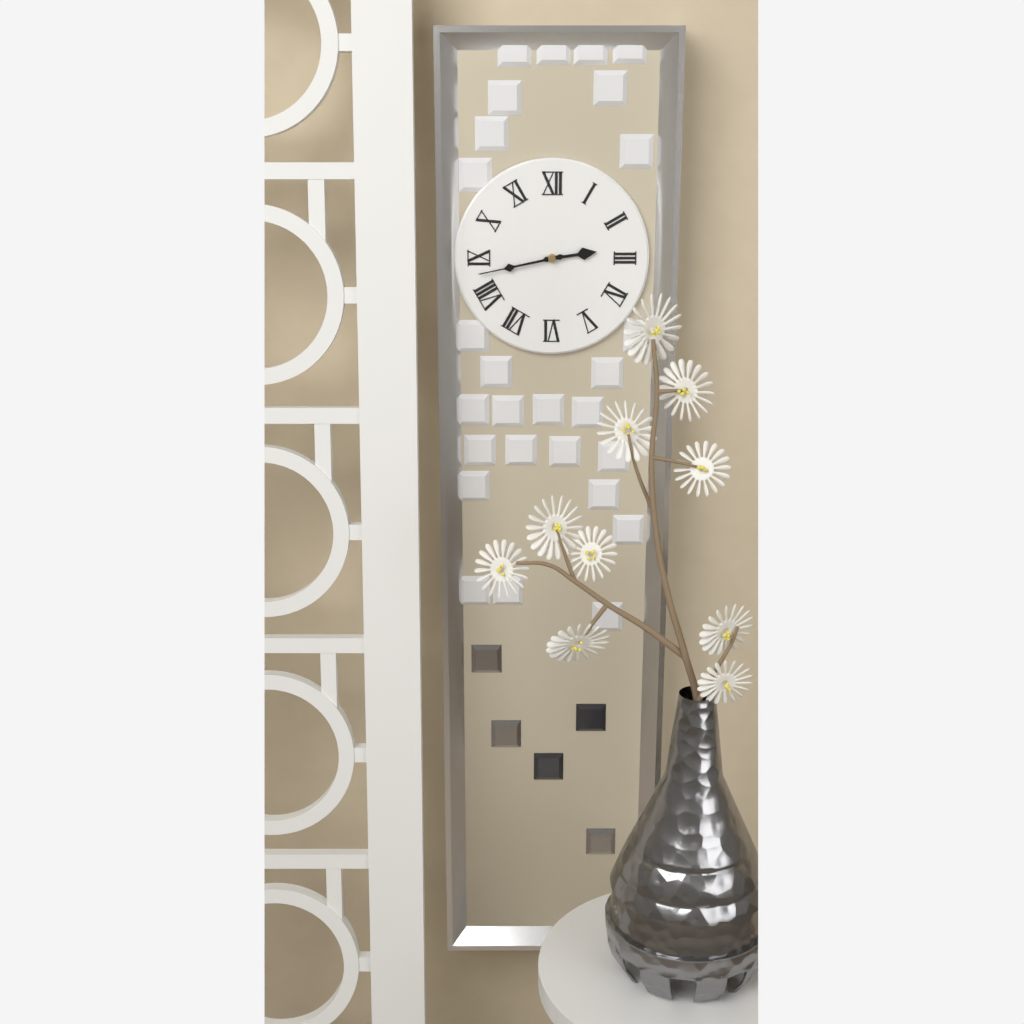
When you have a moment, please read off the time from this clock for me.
2:43
